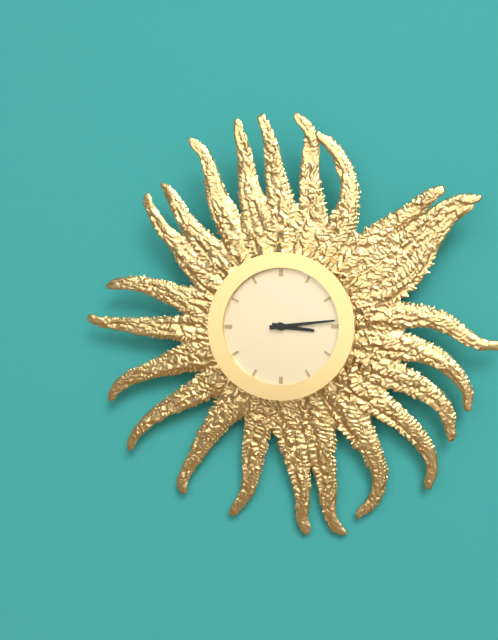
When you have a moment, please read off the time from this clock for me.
3:14
